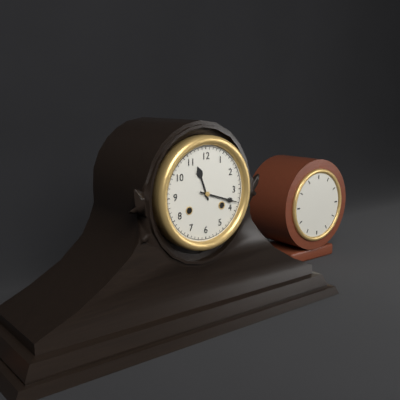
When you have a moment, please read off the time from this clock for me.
11:18
